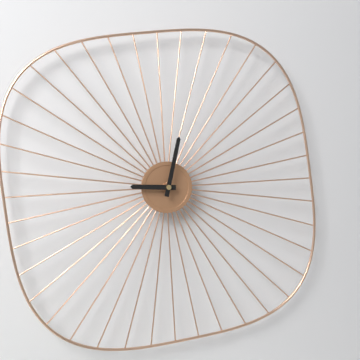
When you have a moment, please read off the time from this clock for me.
9:02
